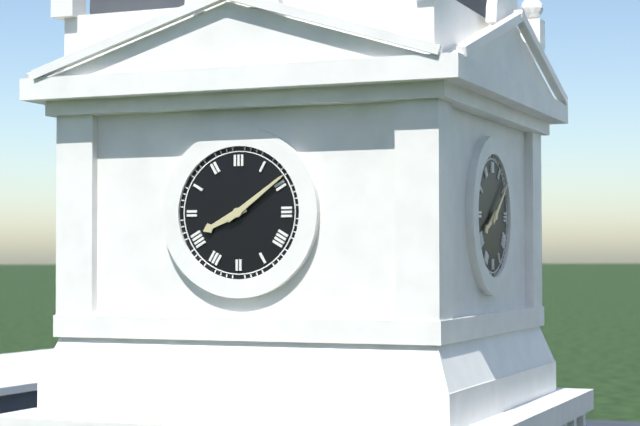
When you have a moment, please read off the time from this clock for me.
8:09
